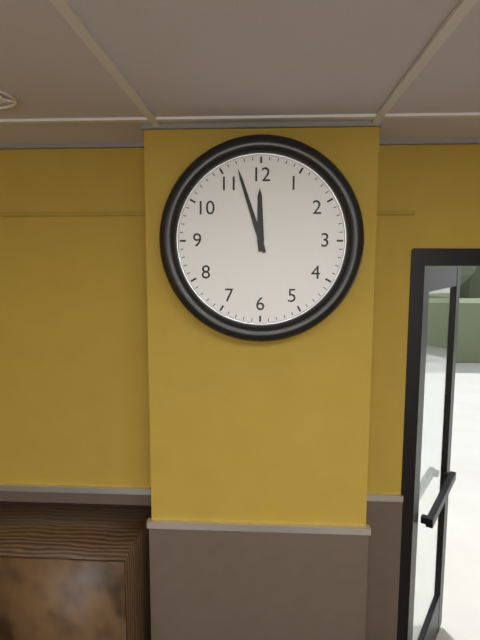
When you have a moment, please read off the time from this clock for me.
11:57
